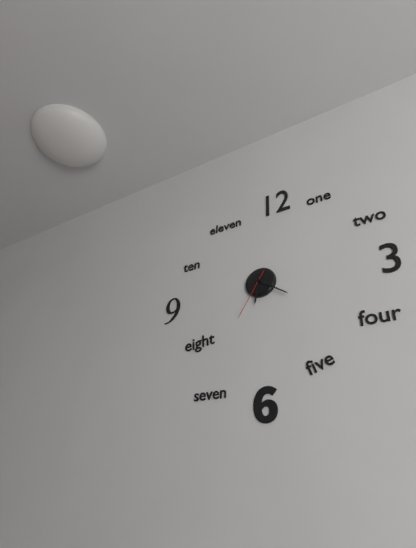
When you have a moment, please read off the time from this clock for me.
6:21:35
